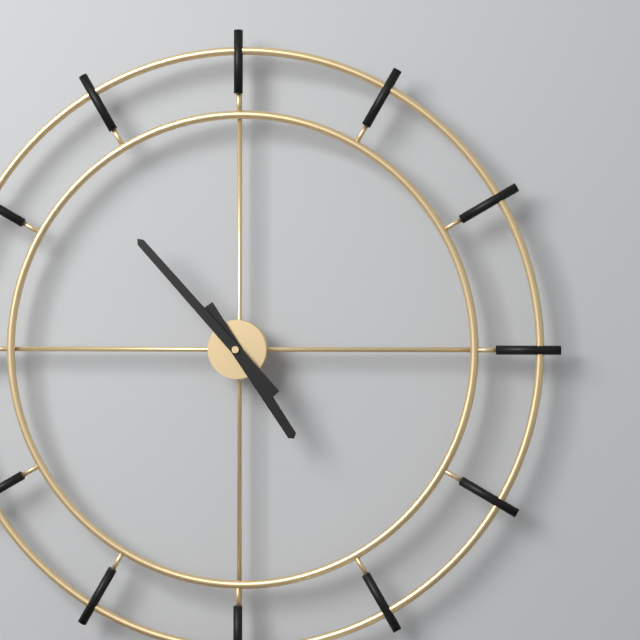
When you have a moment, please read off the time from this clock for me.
4:53
